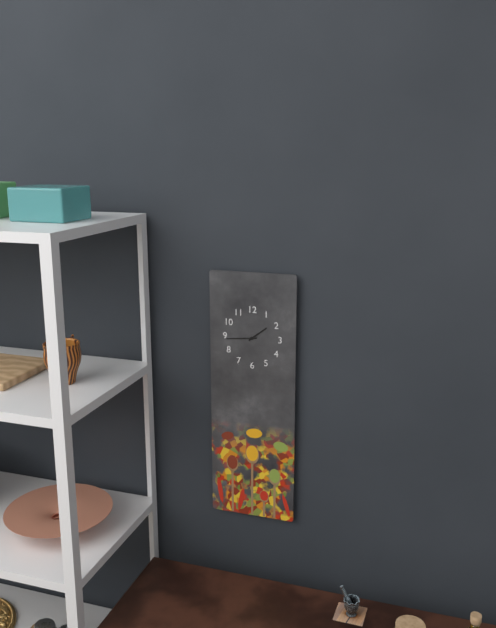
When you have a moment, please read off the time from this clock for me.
1:44
